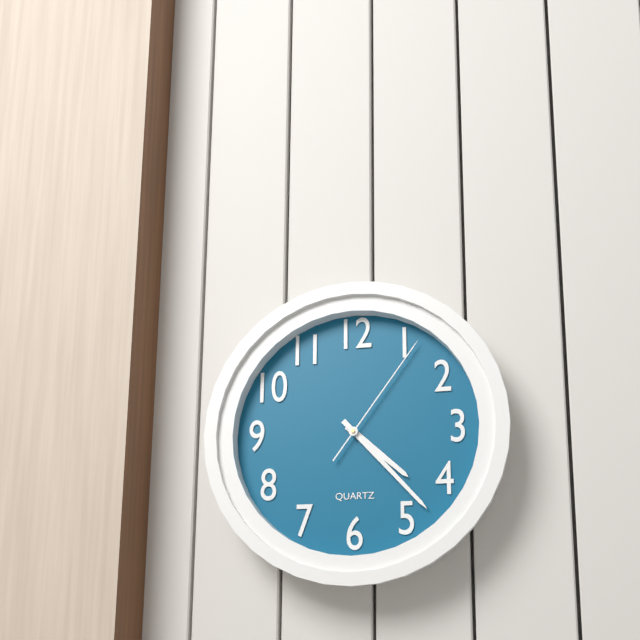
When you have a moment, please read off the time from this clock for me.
4:23:06
